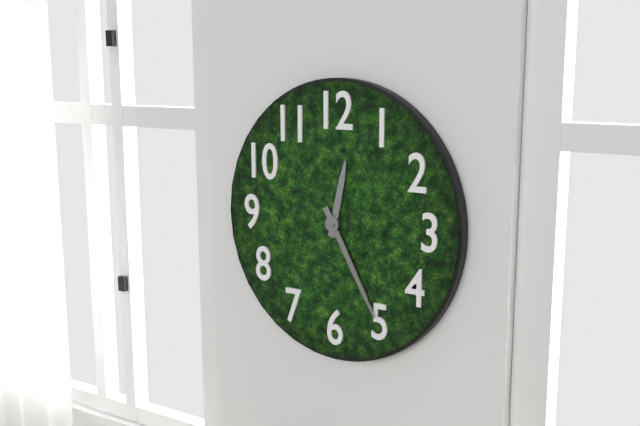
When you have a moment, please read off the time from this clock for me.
12:25
